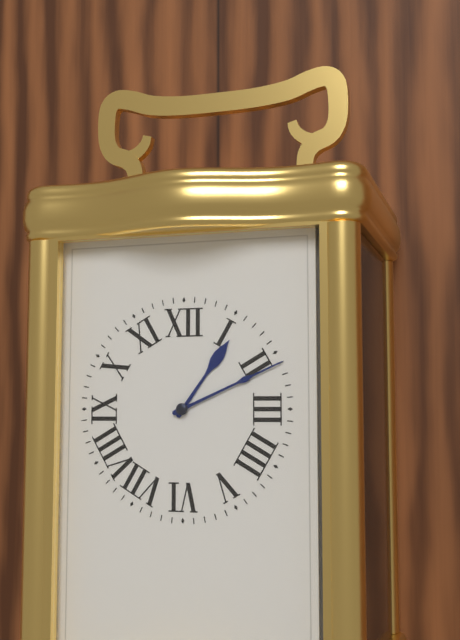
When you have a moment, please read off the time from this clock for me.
1:11
